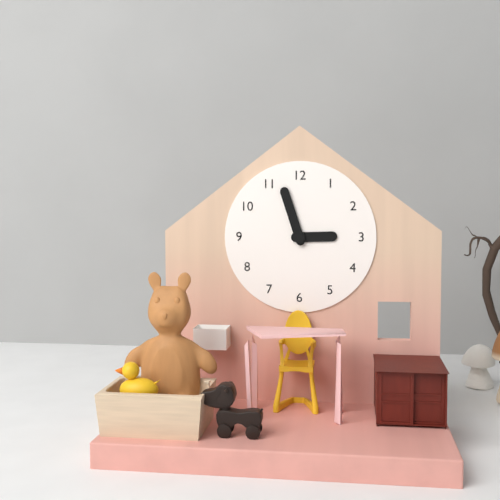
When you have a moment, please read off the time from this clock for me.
2:57
